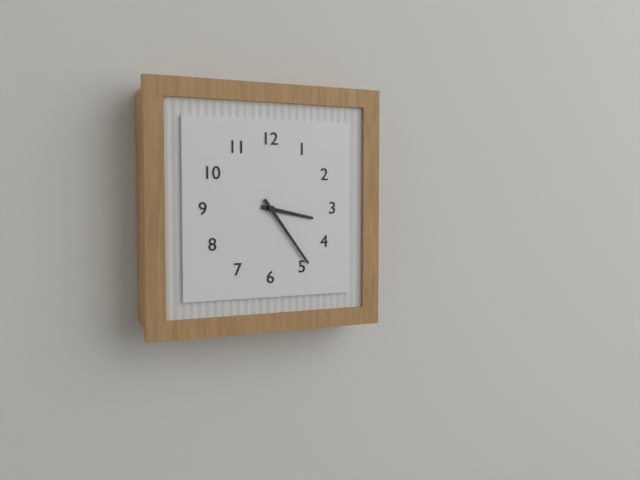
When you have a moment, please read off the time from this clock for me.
3:24
